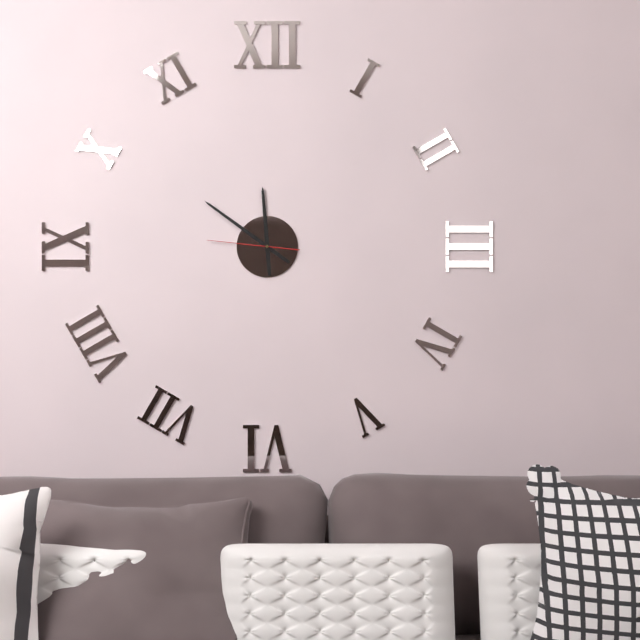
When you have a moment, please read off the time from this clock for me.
11:51:46
